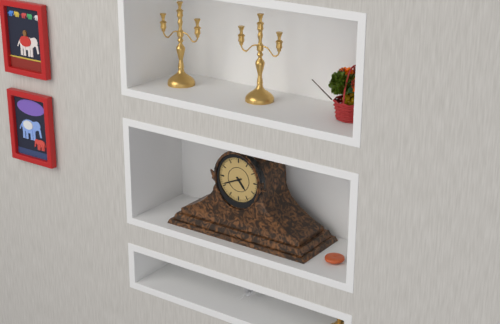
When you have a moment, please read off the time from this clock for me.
4:41
